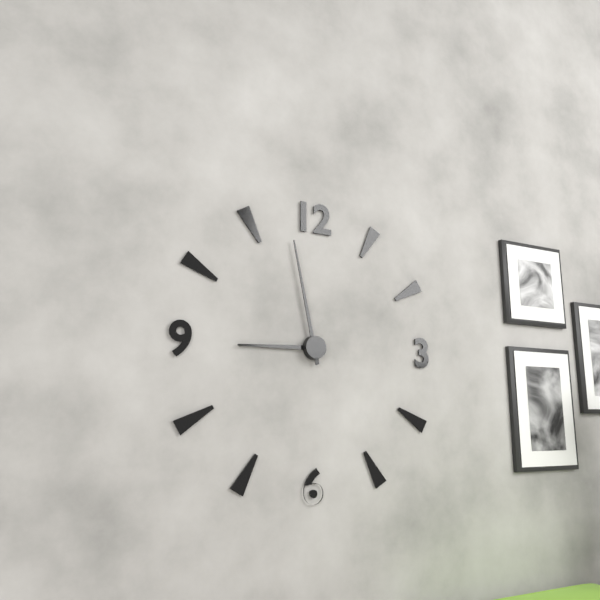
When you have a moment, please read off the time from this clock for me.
8:58
